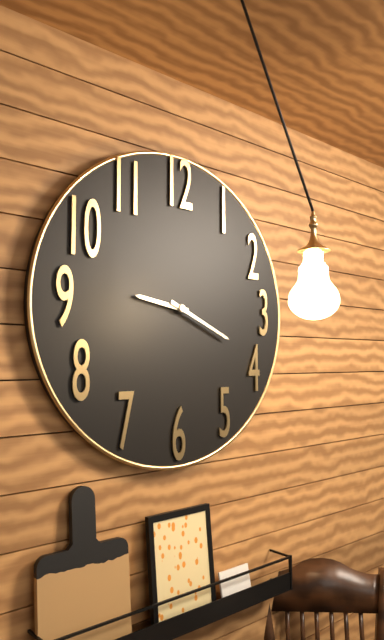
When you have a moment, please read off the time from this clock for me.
9:19
